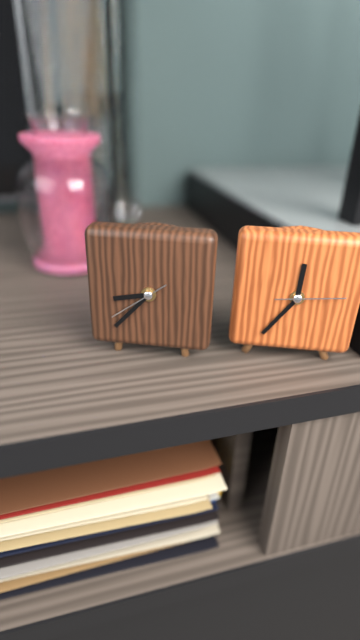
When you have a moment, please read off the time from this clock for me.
8:37:39
